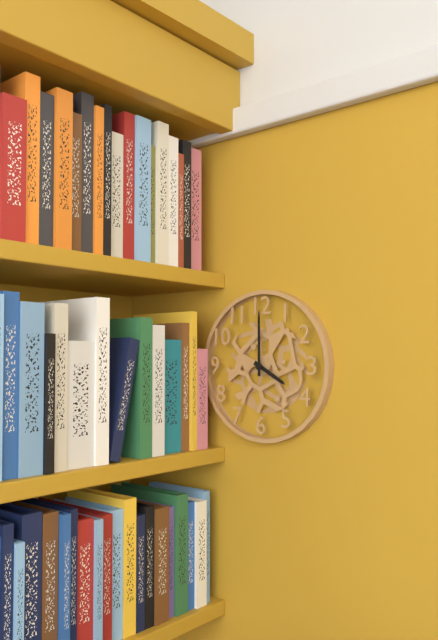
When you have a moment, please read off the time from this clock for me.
4:00
